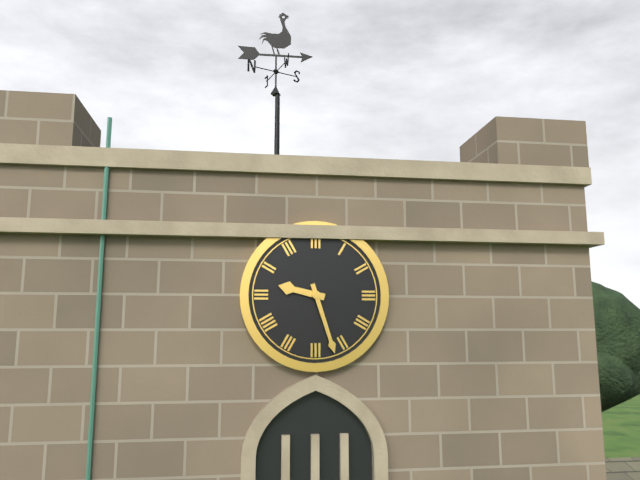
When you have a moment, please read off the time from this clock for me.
9:27
